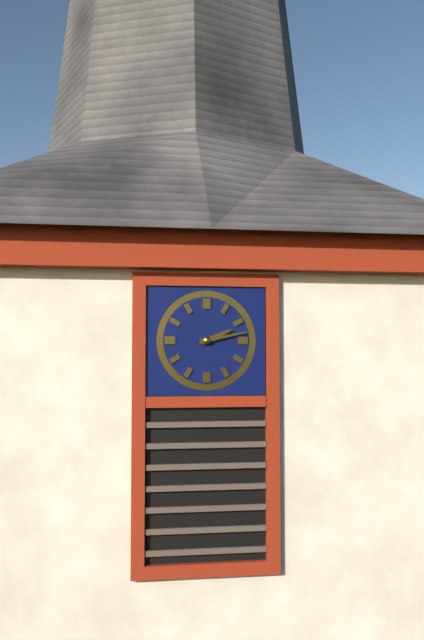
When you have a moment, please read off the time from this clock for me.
2:13
